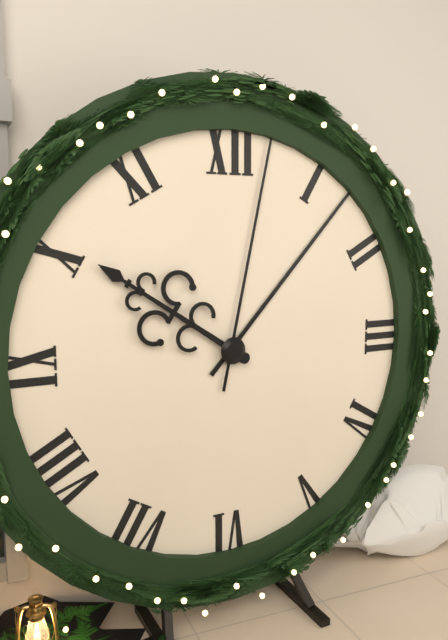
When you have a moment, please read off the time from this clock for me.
10:07:02
